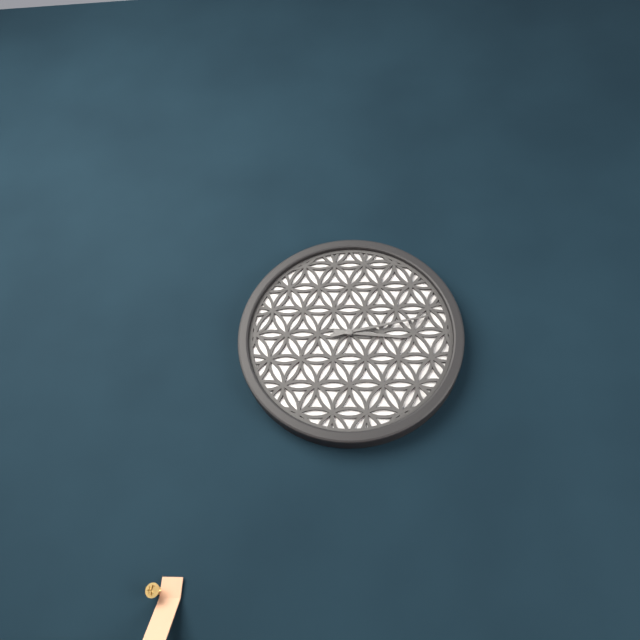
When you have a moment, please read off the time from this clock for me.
3:13
